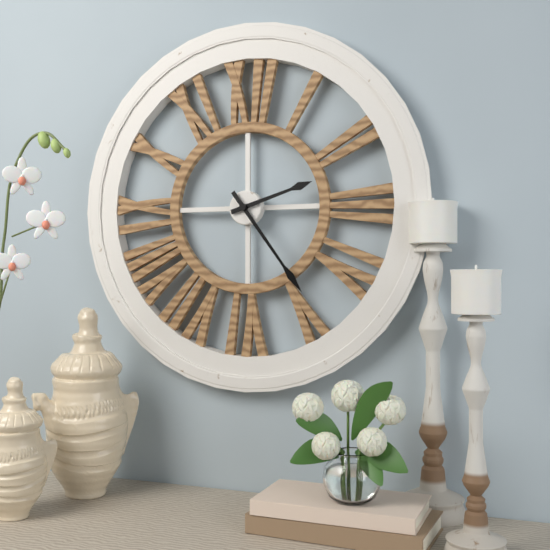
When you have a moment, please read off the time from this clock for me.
2:24
